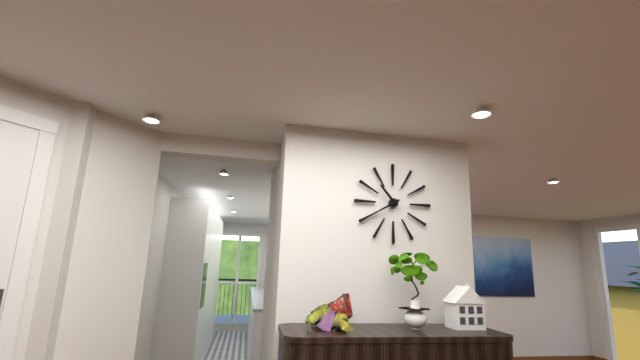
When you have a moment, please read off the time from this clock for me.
10:40
